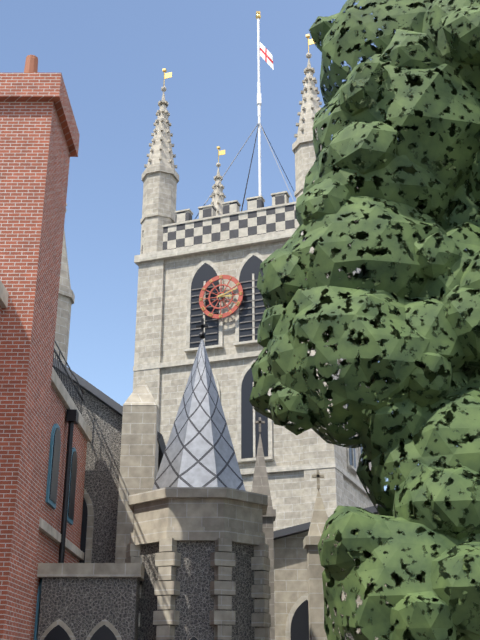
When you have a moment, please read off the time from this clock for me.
3:12
